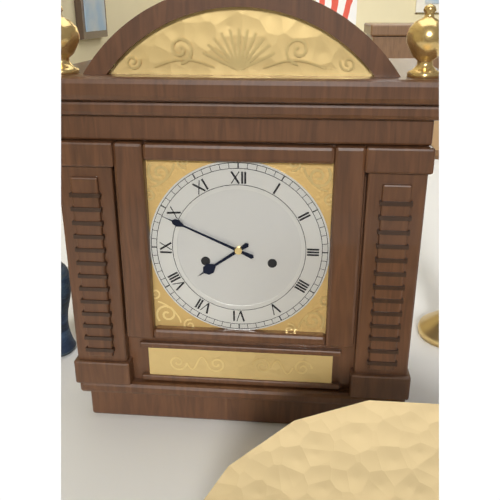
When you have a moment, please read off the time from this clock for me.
7:49
